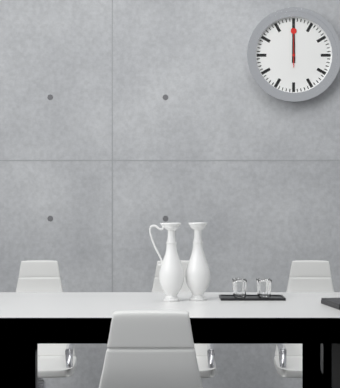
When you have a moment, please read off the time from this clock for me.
12:00
